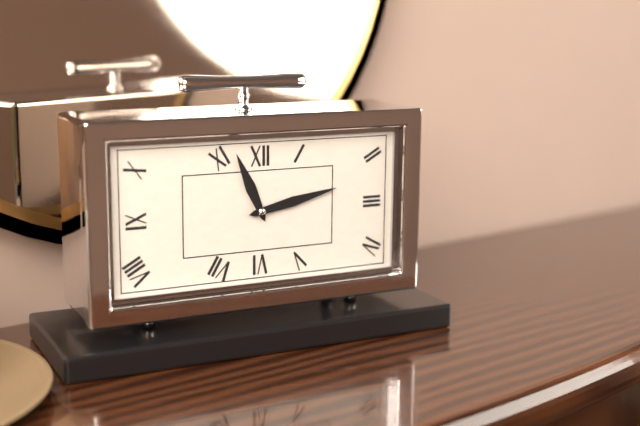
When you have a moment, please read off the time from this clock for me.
11:13
